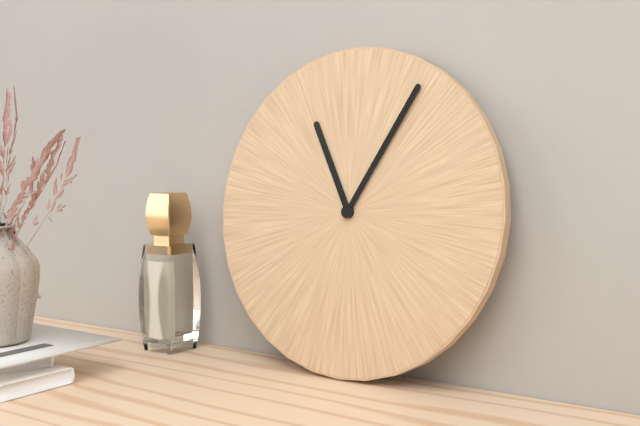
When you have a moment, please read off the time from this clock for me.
11:05
